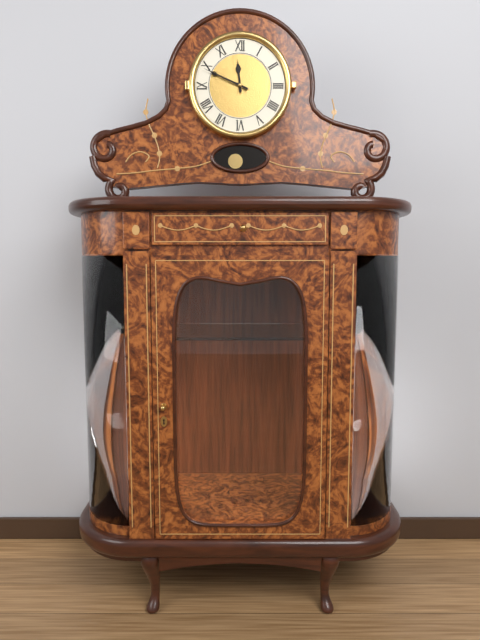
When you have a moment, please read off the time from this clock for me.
11:49
